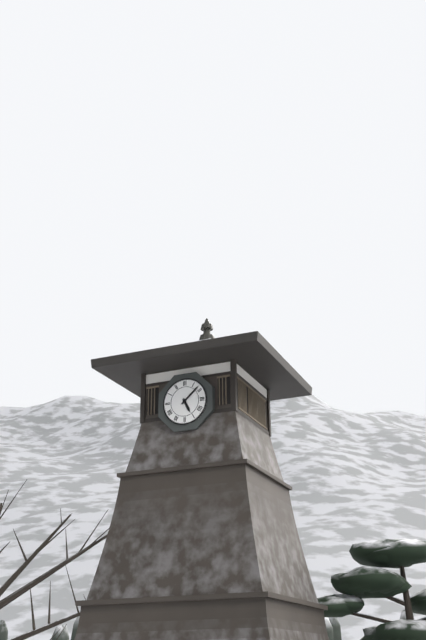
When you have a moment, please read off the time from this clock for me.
5:08
